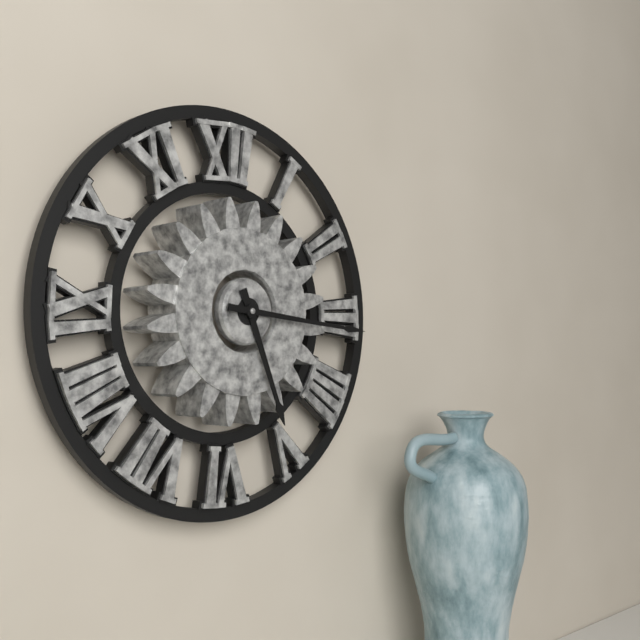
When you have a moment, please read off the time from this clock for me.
5:16
